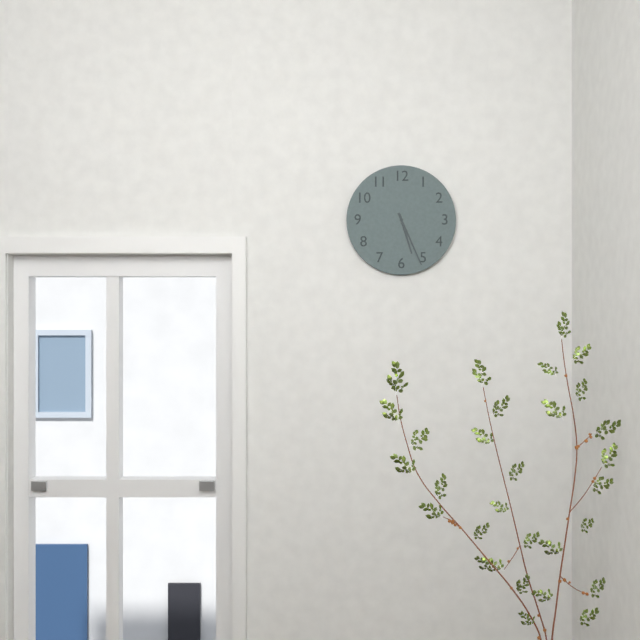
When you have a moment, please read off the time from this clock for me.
5:26
